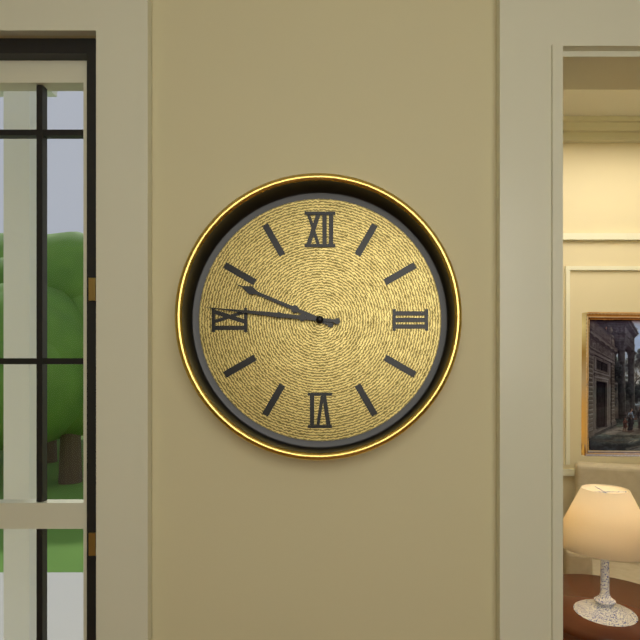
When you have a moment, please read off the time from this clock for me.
9:46
